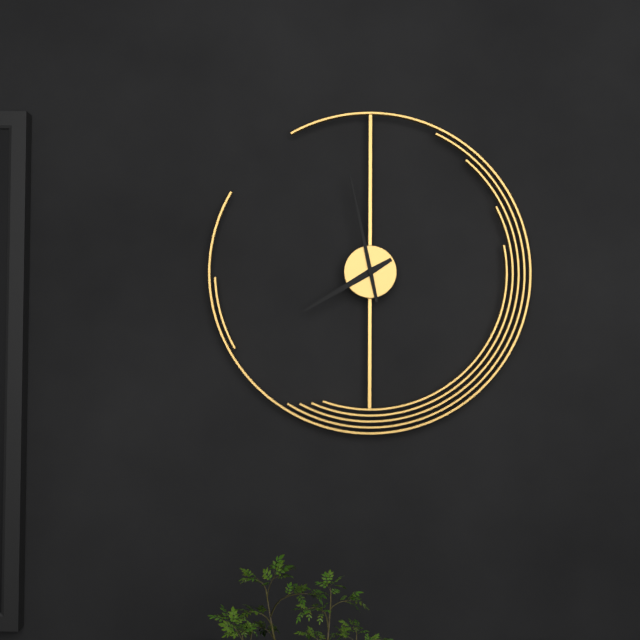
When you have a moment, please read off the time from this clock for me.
7:58
